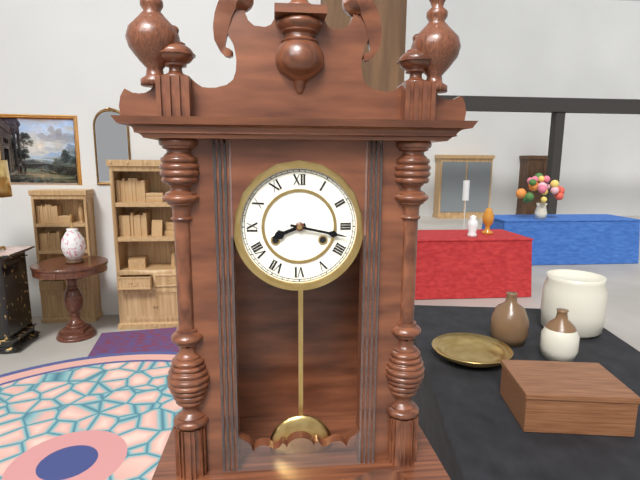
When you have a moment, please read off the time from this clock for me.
8:17
